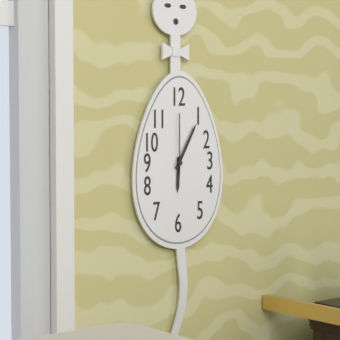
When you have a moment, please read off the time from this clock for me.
6:05:00
